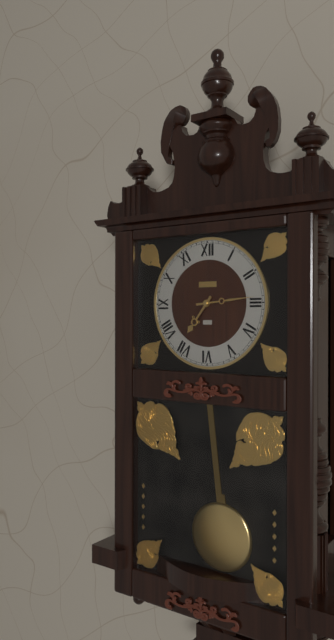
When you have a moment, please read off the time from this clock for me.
7:14
